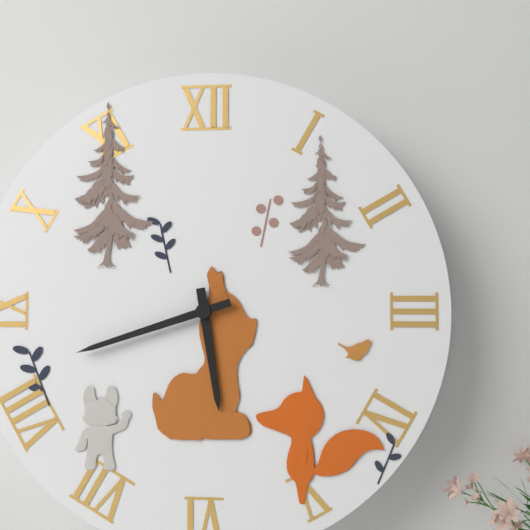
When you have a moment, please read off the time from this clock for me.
5:42
